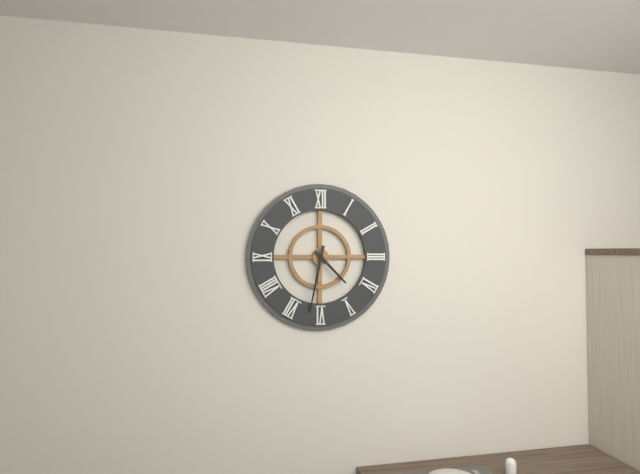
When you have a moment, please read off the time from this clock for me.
4:32
